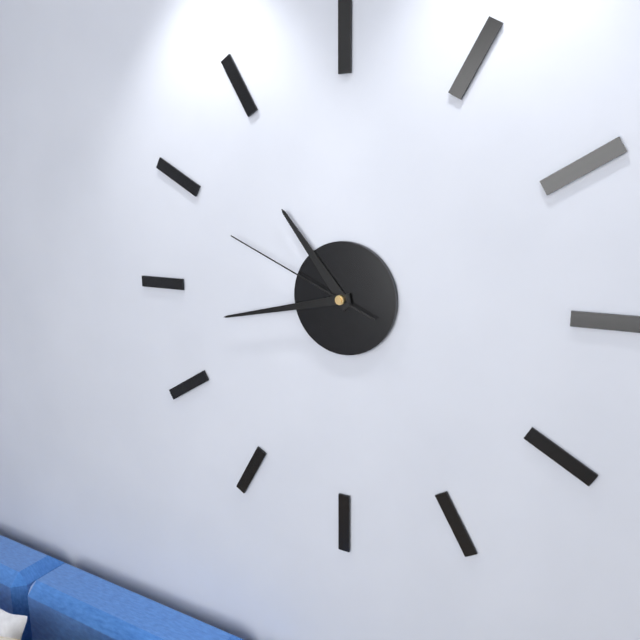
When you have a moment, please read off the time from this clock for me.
10:43:49
